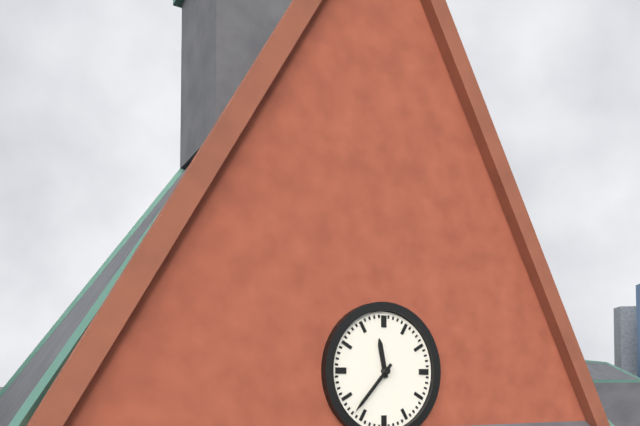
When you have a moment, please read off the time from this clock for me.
11:37
